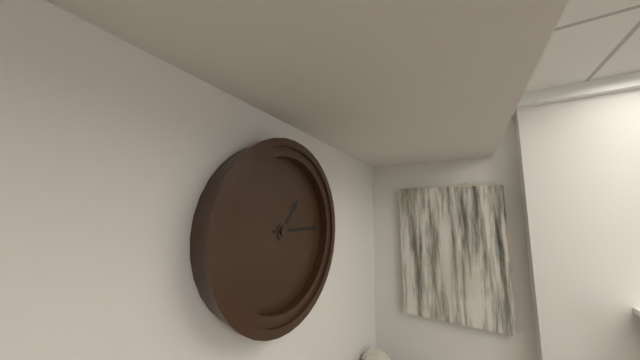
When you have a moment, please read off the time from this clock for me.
1:15
